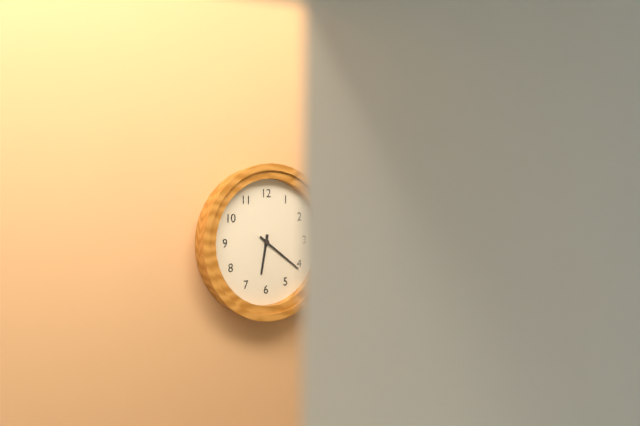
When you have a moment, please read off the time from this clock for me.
6:21
